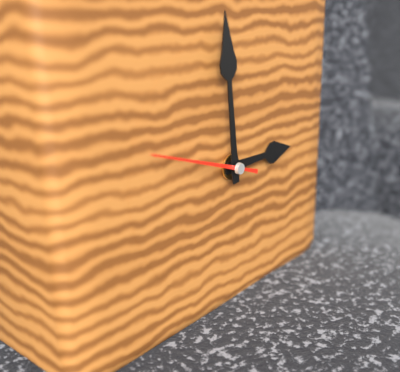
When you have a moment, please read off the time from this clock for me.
2:59:48
